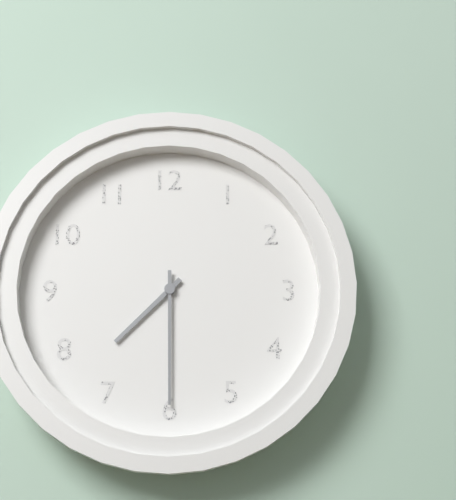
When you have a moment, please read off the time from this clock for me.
7:30
